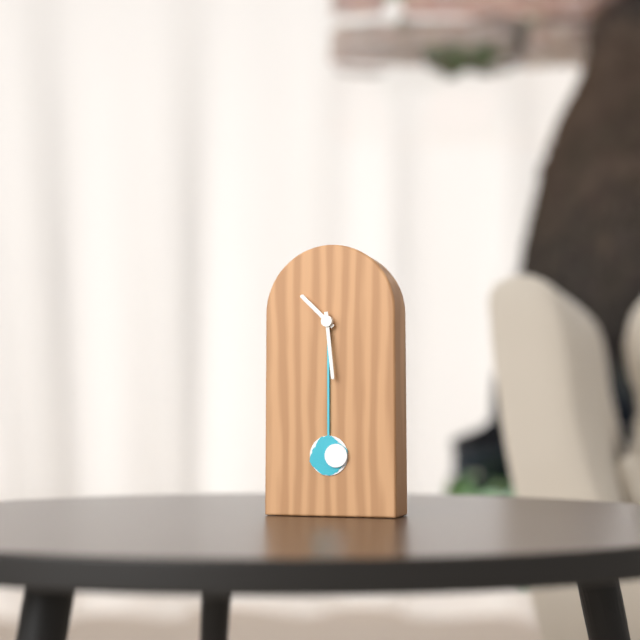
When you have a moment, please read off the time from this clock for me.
10:29
